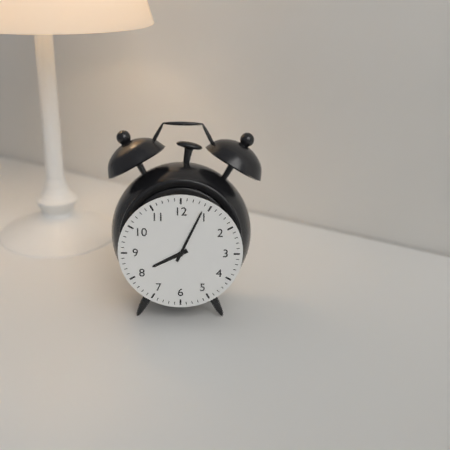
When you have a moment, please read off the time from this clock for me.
8:04
